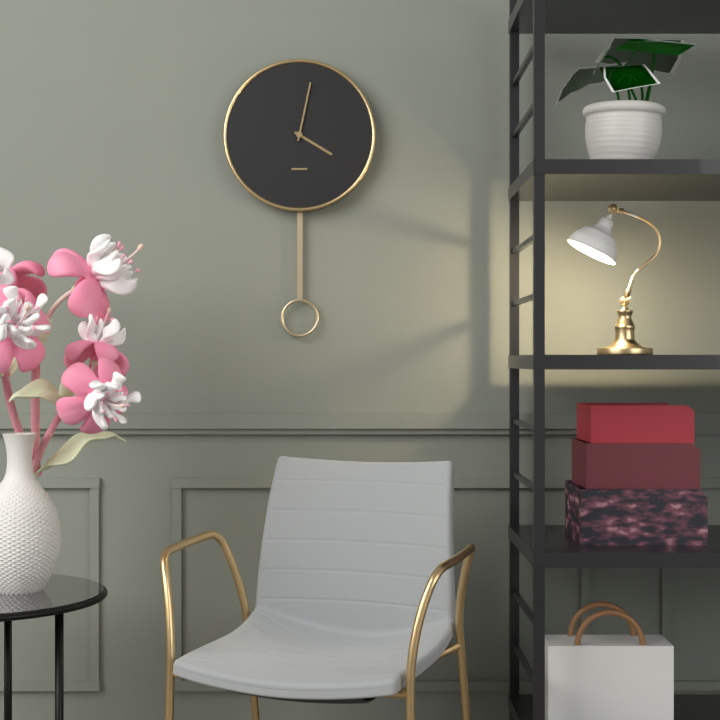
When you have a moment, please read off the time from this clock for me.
4:02
